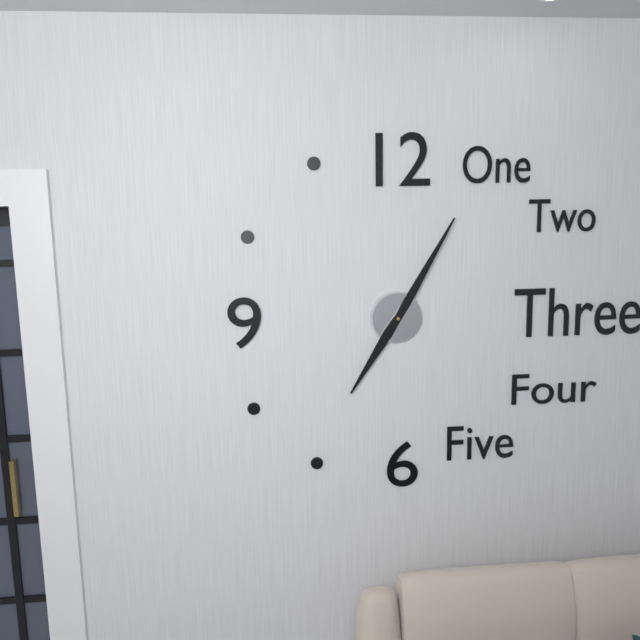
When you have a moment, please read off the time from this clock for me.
7:05
